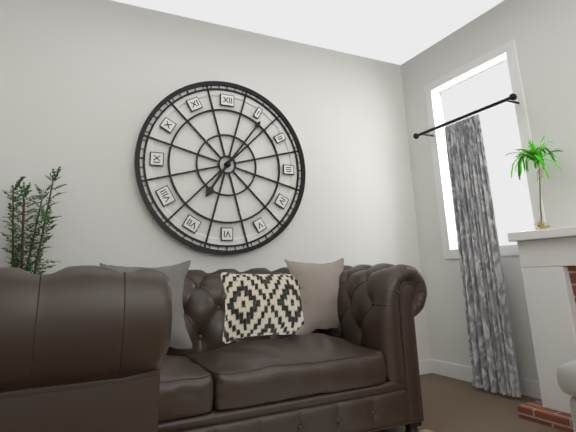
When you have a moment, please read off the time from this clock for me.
7:06
